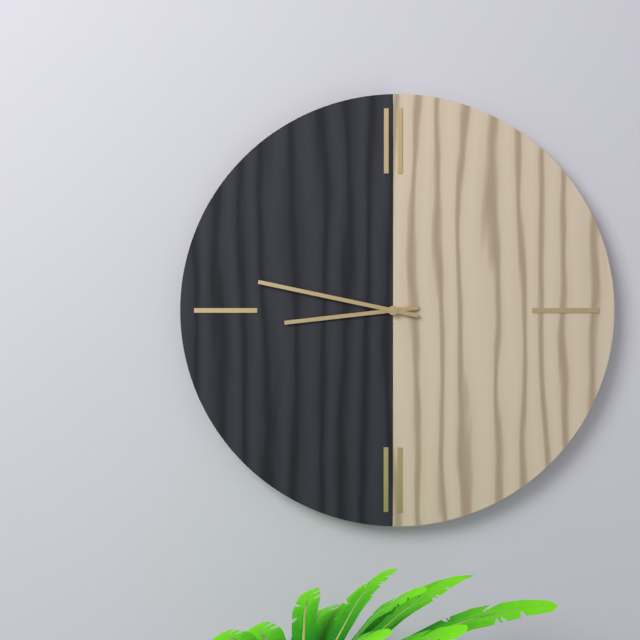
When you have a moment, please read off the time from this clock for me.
8:47
